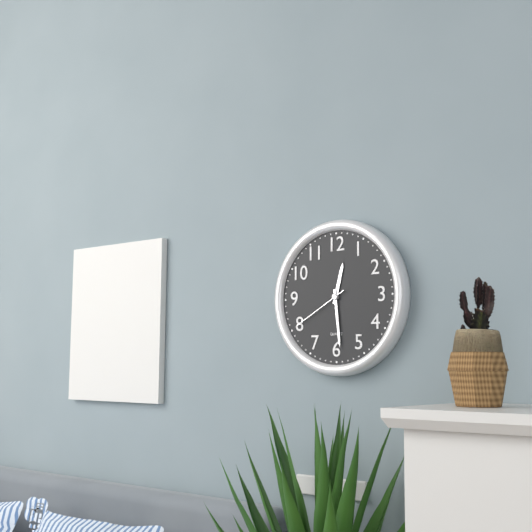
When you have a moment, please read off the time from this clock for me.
12:29:40
